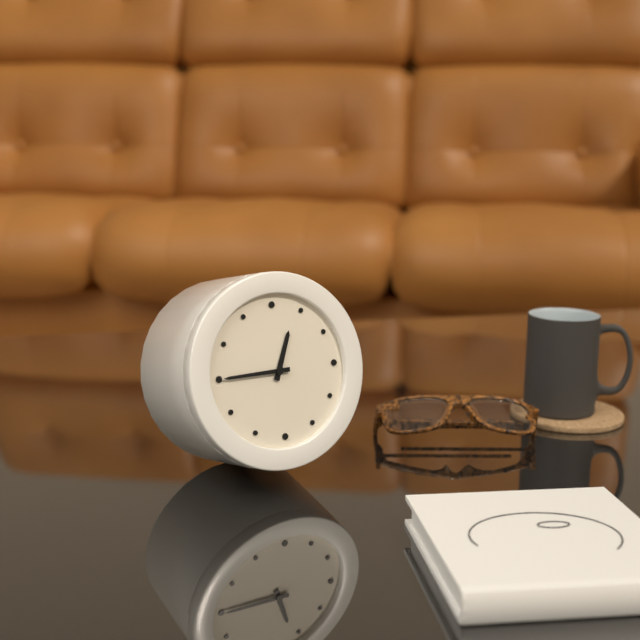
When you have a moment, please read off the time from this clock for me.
12:45
